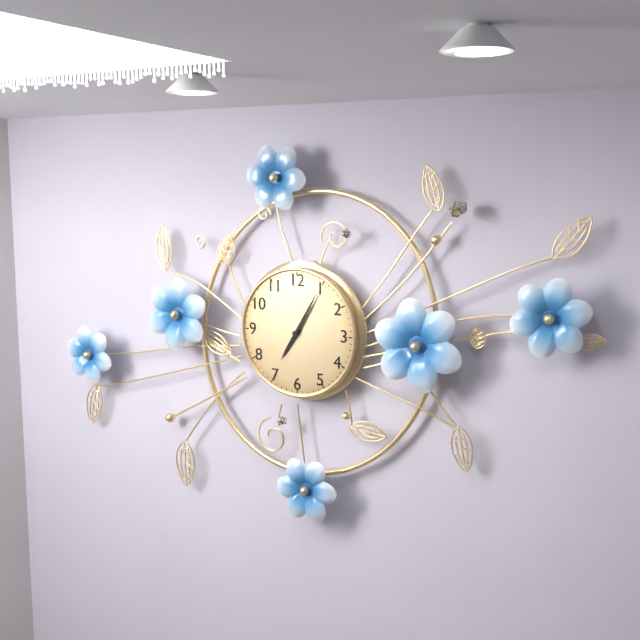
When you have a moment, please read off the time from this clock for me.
7:05
